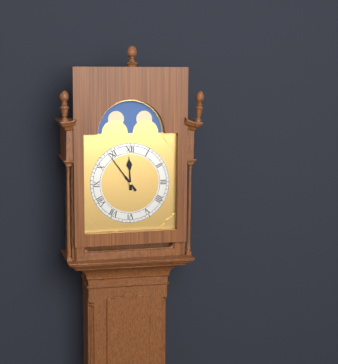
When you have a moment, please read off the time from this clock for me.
11:54
